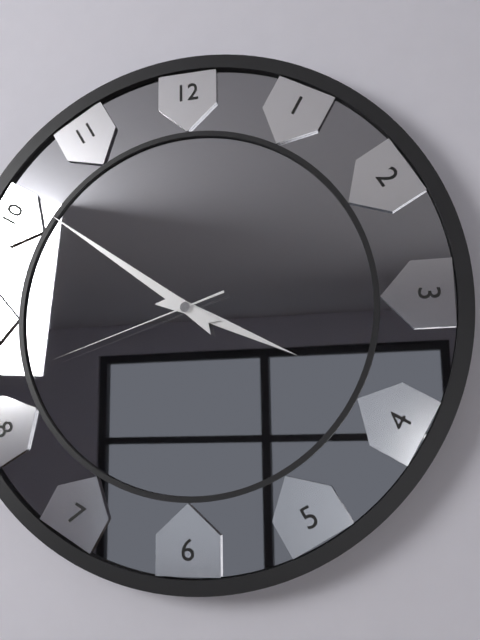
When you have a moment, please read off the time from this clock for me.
3:51:42
